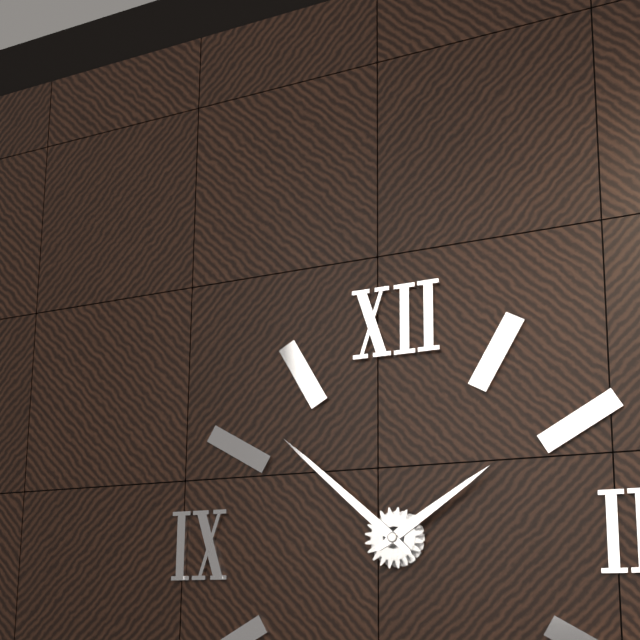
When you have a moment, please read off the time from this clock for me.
1:52
